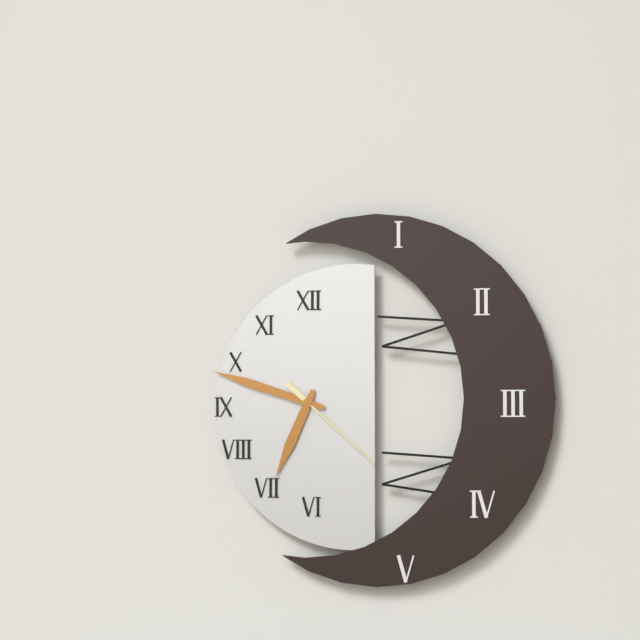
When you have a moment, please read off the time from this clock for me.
6:48:22
